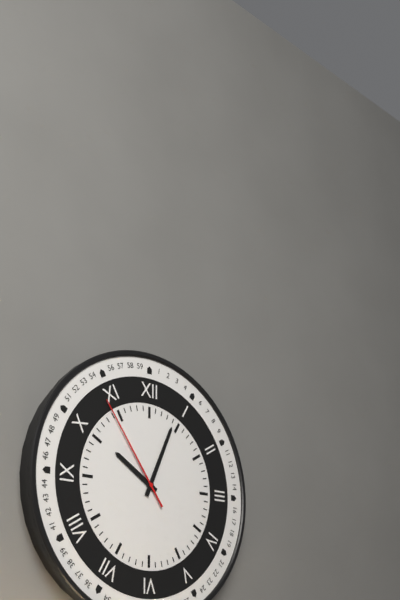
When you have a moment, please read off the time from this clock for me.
10:04:54
